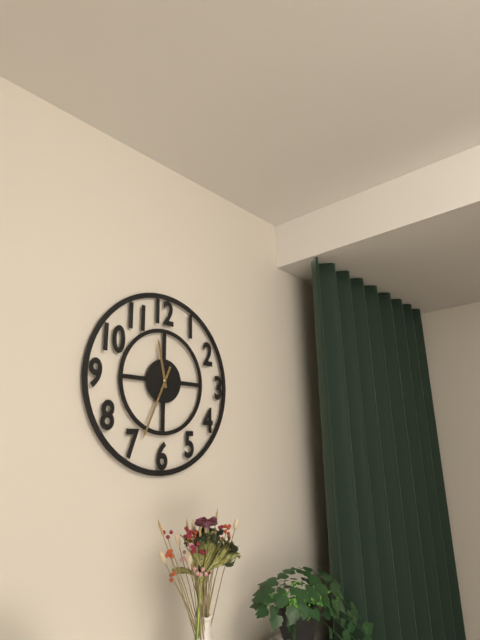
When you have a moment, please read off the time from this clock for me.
11:34
